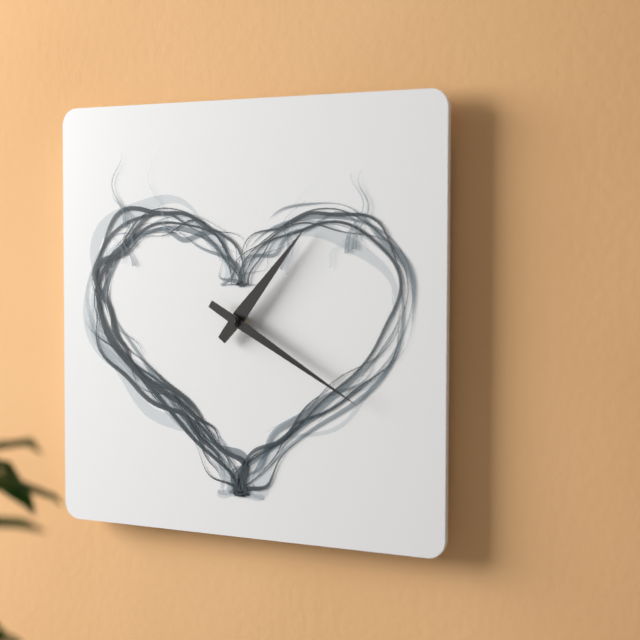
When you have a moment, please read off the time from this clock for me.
1:20
